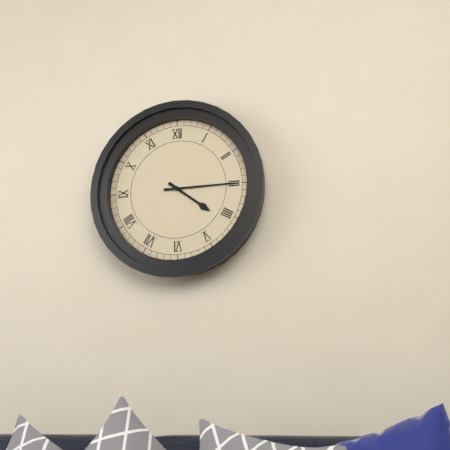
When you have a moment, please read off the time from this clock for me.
4:15
